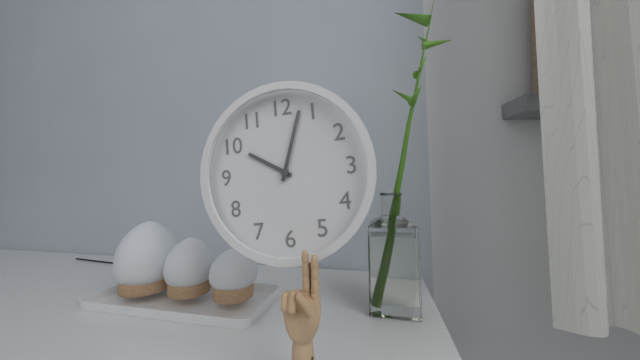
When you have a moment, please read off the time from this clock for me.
10:03
